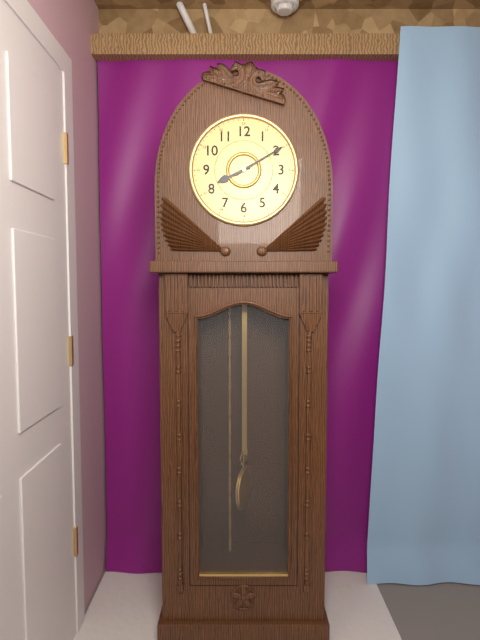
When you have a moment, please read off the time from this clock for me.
8:10
